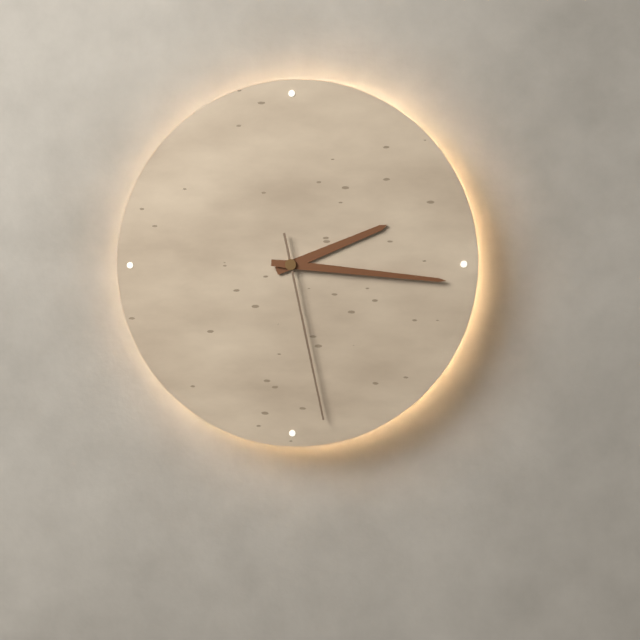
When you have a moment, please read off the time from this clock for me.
2:16:28
